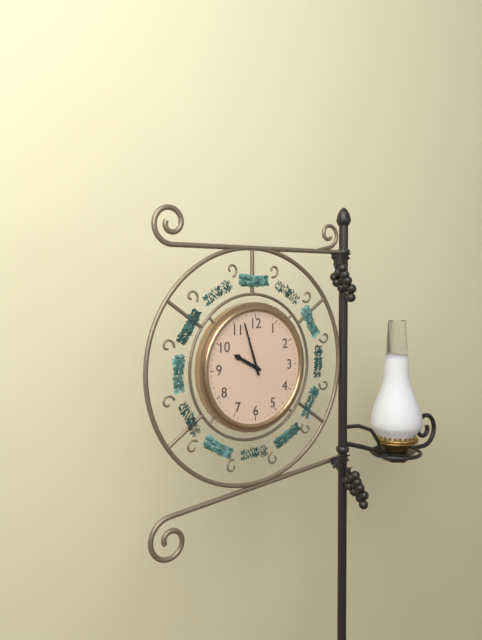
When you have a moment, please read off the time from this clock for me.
9:57
